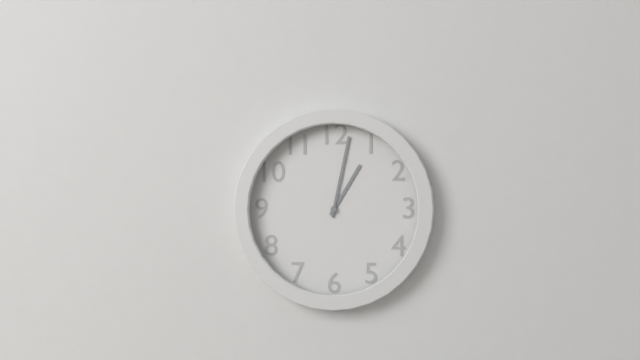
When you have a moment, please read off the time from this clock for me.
1:02
